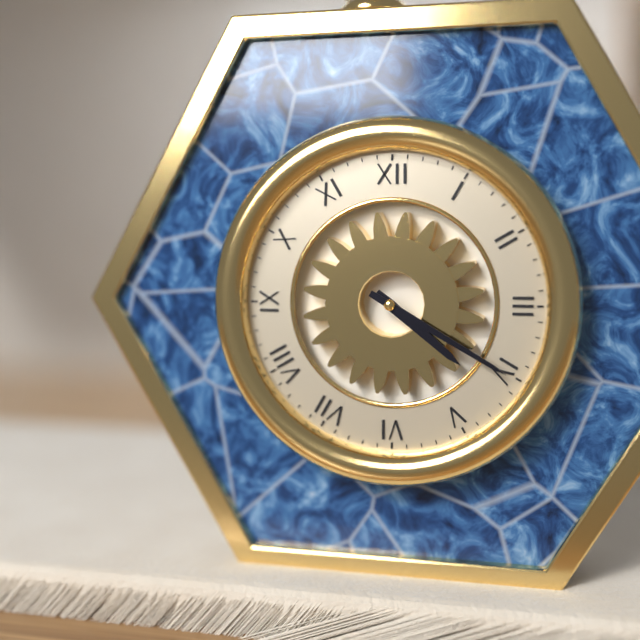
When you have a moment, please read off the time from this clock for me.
4:20
